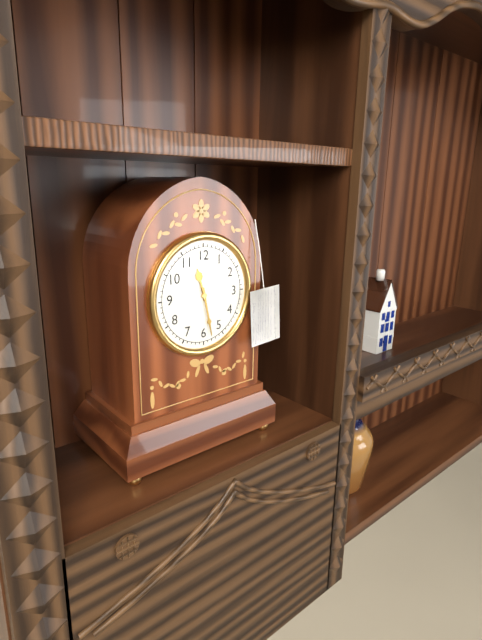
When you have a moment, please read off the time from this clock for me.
11:28
